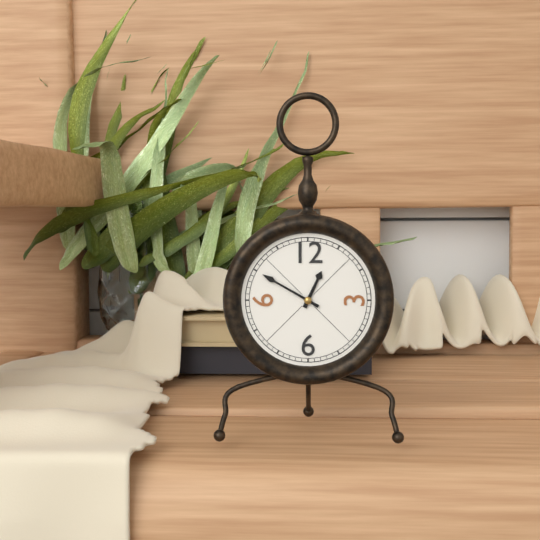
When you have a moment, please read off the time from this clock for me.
12:50
